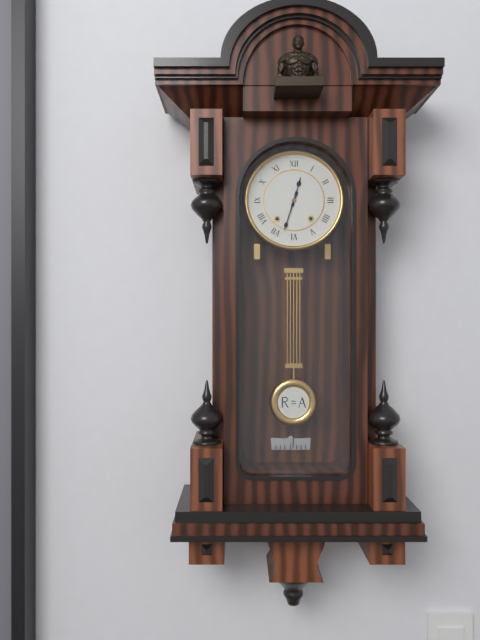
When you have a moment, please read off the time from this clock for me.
12:33
